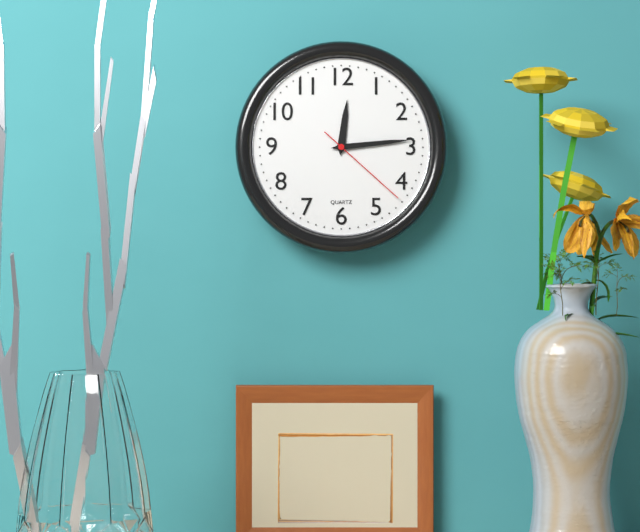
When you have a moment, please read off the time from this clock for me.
12:14:22
